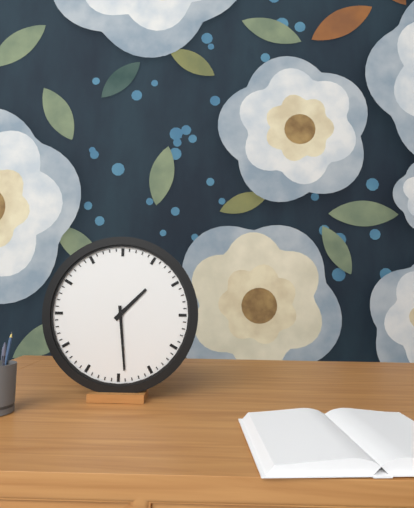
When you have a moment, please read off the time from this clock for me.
1:29
